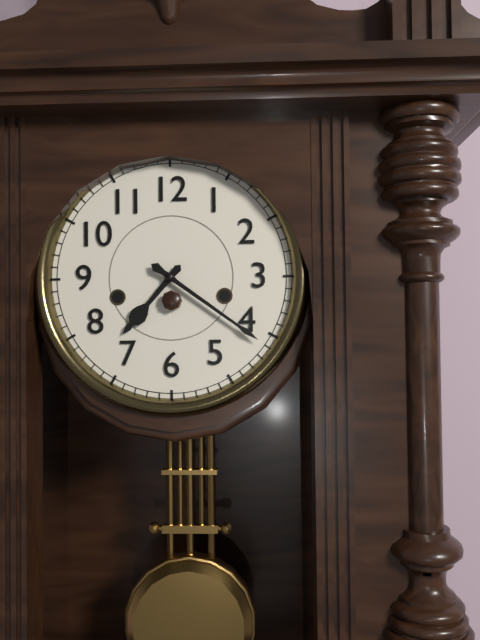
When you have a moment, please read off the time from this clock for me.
7:21
